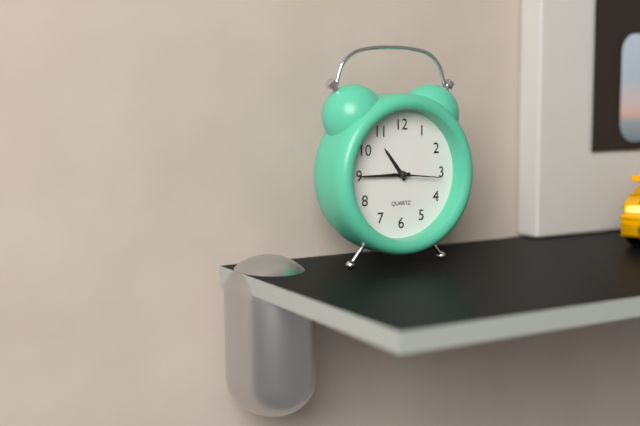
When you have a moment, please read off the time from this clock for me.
10:45
